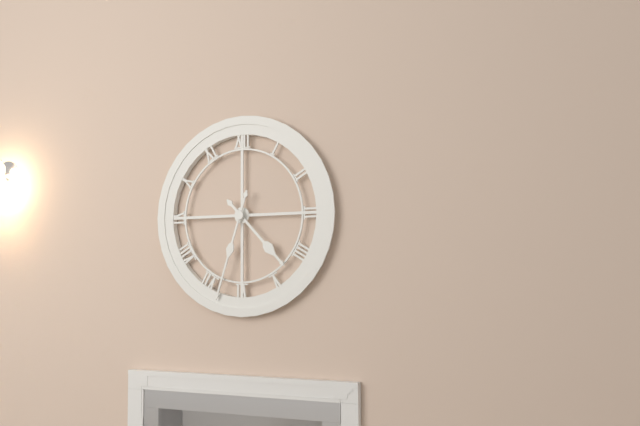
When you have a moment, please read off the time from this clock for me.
4:33
